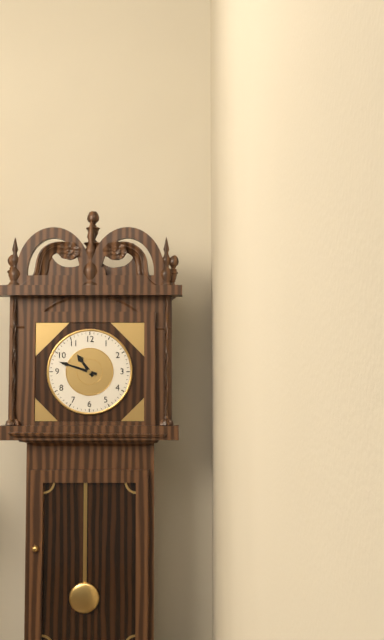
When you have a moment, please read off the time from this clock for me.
10:48
